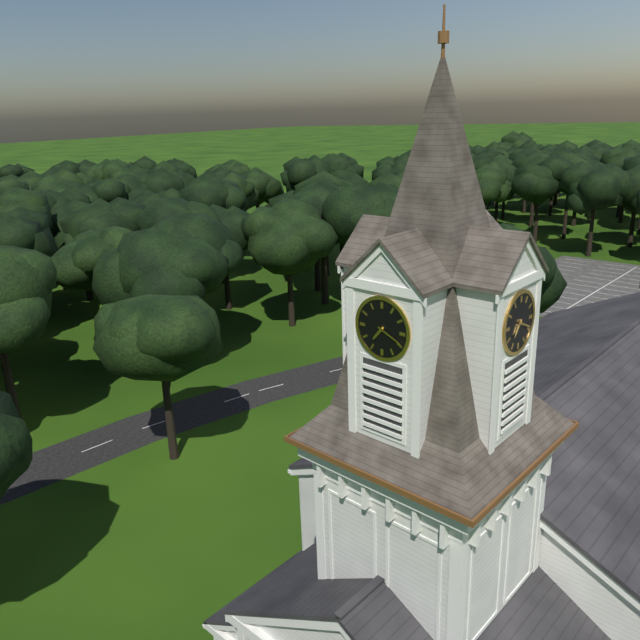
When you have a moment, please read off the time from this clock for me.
7:19
